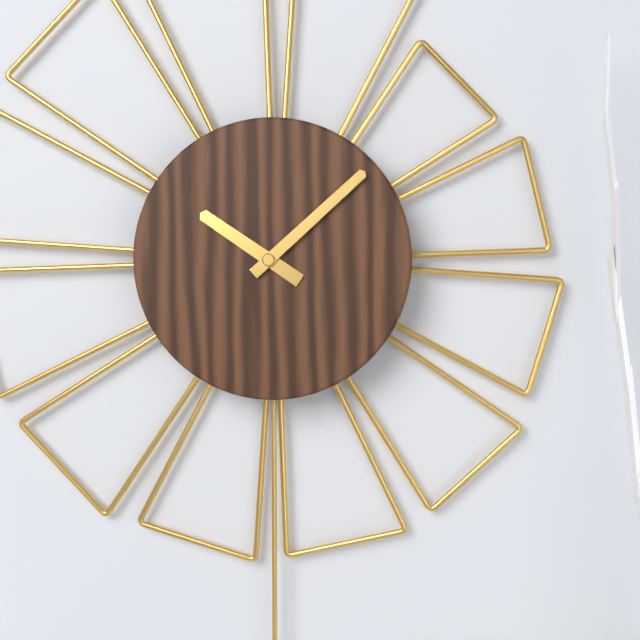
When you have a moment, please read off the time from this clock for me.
10:08
